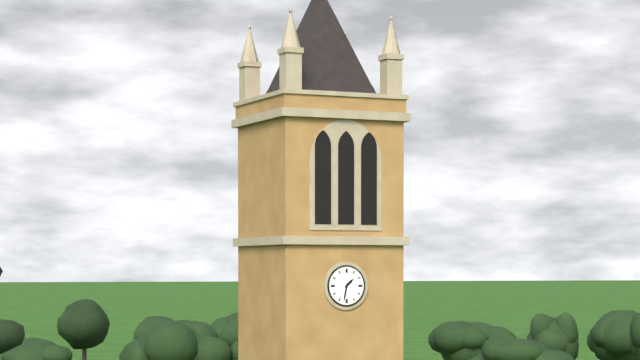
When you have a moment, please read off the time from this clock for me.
1:32
